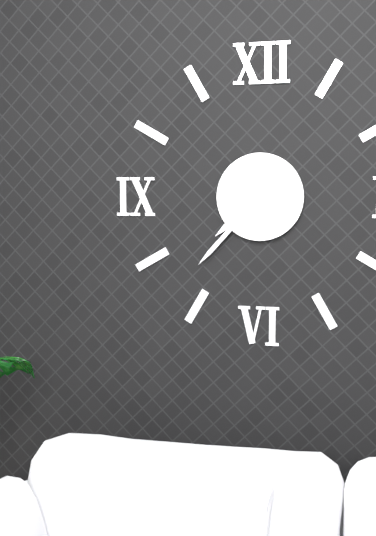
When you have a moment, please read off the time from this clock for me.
7:37
